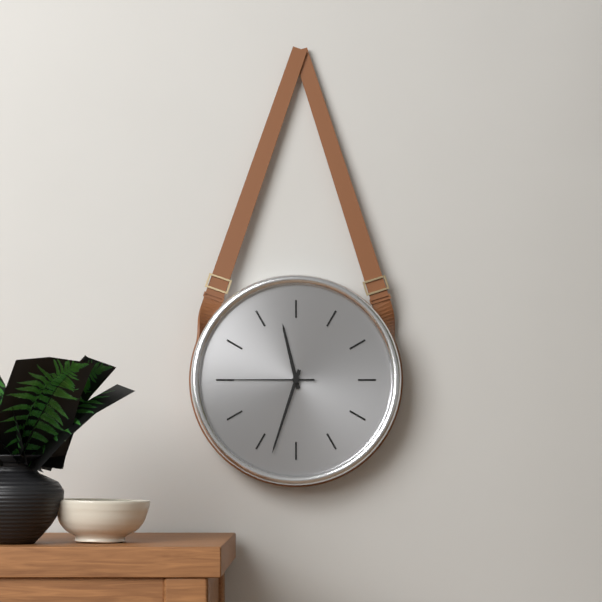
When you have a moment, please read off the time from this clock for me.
11:33:45
